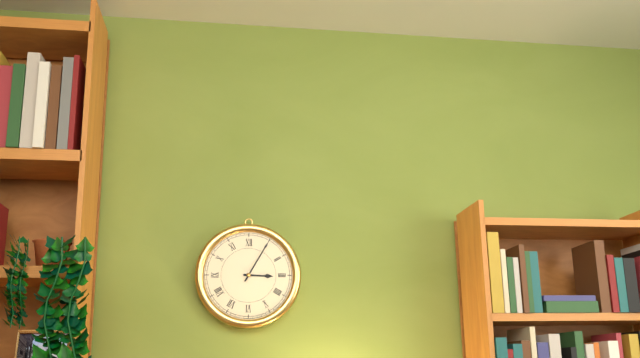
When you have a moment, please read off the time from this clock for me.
3:05
